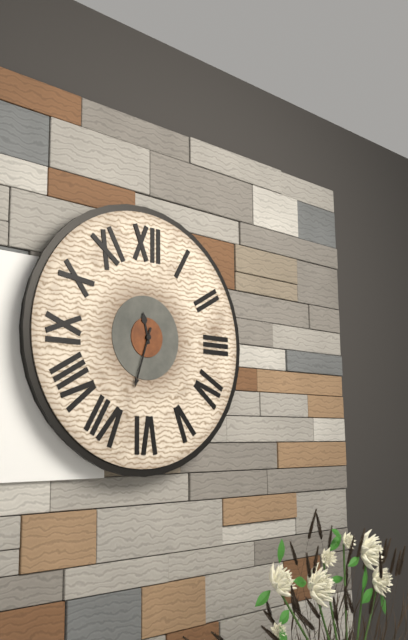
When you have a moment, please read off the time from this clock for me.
11:33
